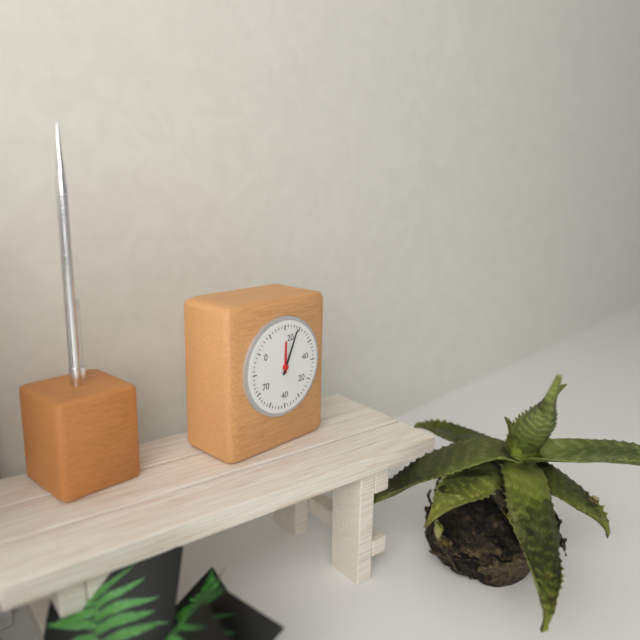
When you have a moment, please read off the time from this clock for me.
12:04
